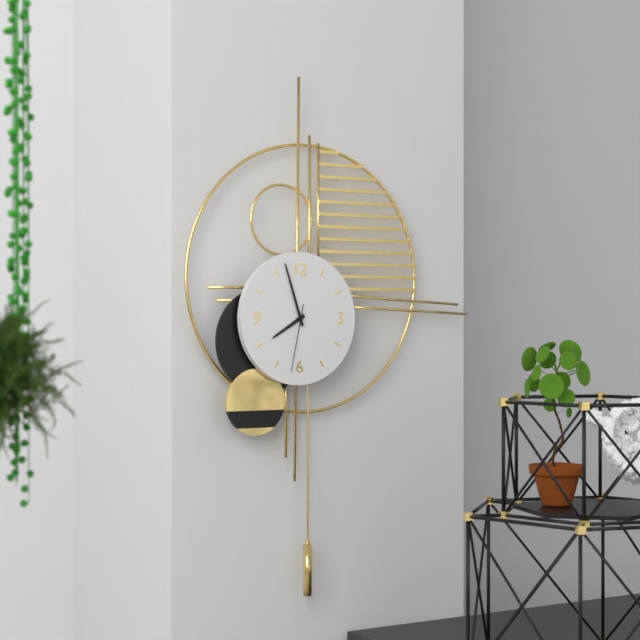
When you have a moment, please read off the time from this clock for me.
7:57:32
